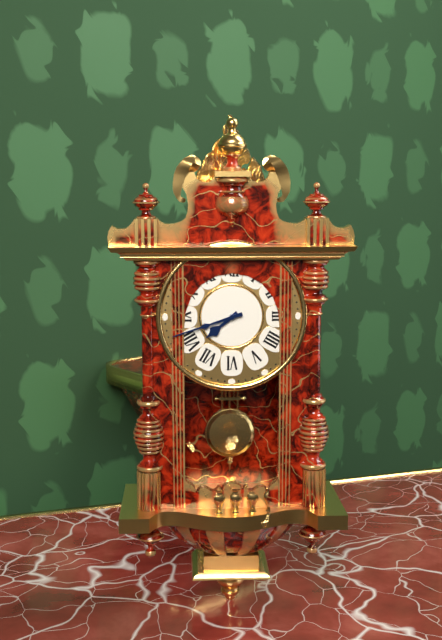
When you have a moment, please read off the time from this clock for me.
7:42
